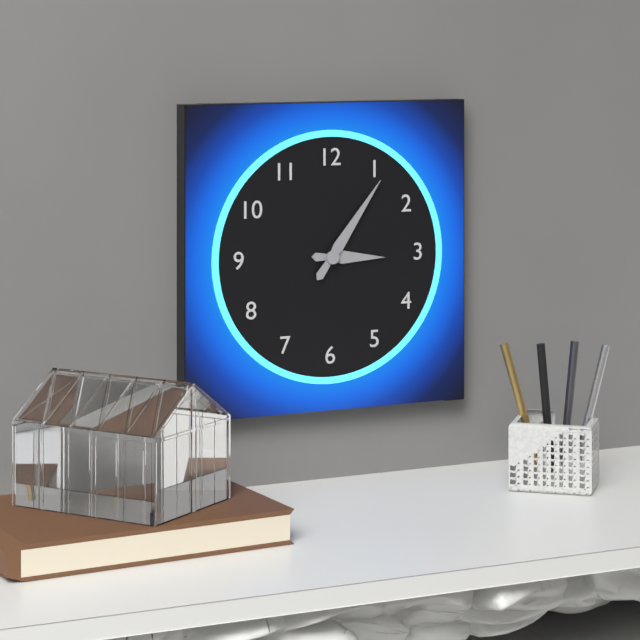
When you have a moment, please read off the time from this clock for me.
3:06
